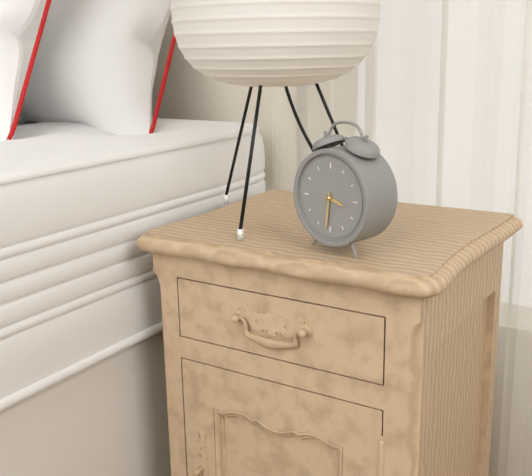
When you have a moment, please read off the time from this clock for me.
3:31
